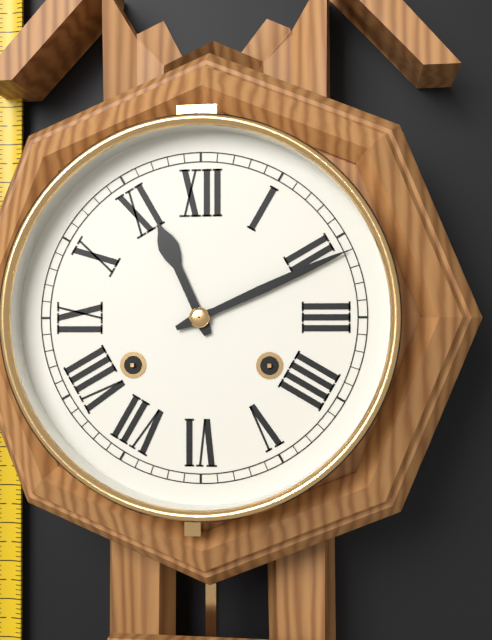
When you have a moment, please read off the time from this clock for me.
11:11
